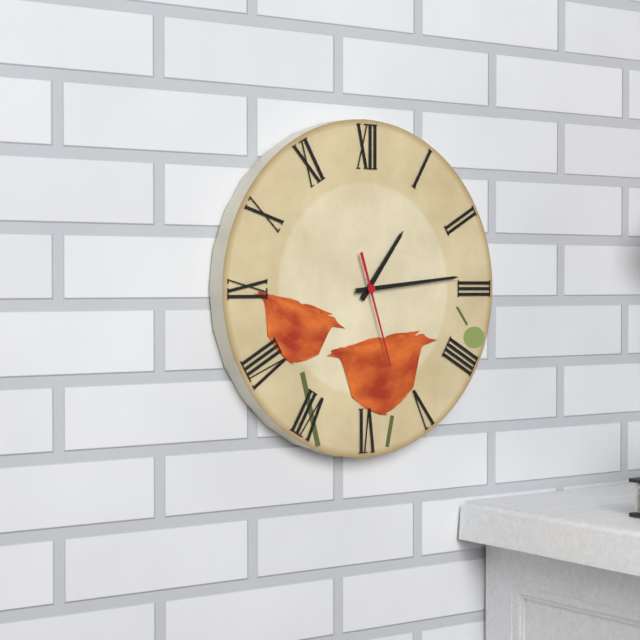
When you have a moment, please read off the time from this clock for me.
1:14:27
